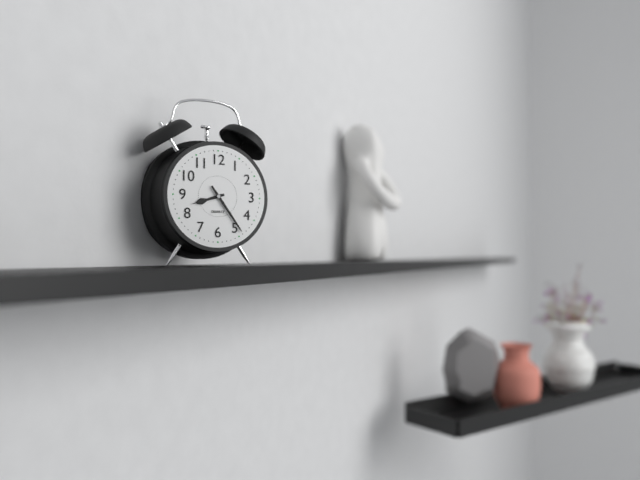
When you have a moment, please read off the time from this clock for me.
8:24
